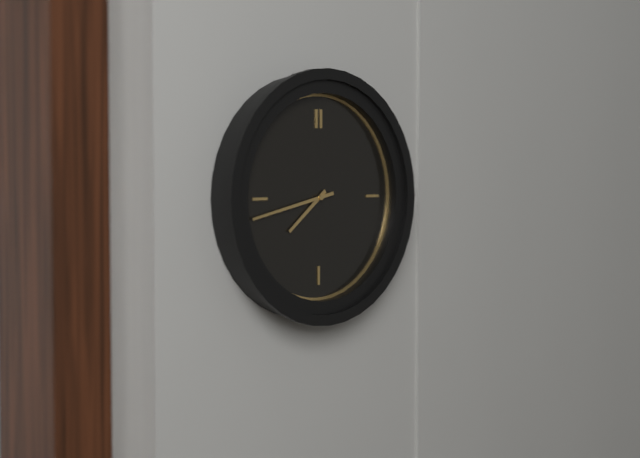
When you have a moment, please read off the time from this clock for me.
7:43
